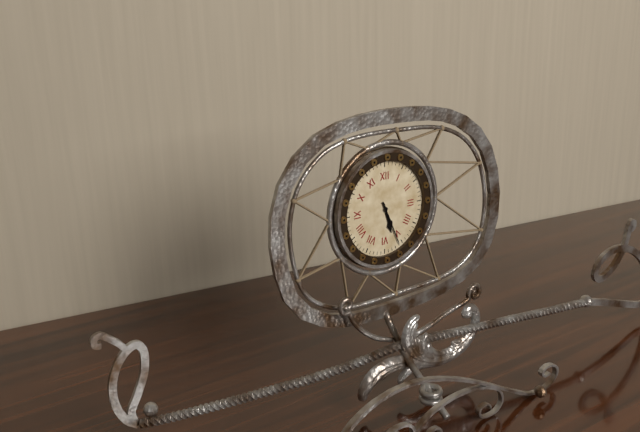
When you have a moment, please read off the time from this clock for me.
5:26
